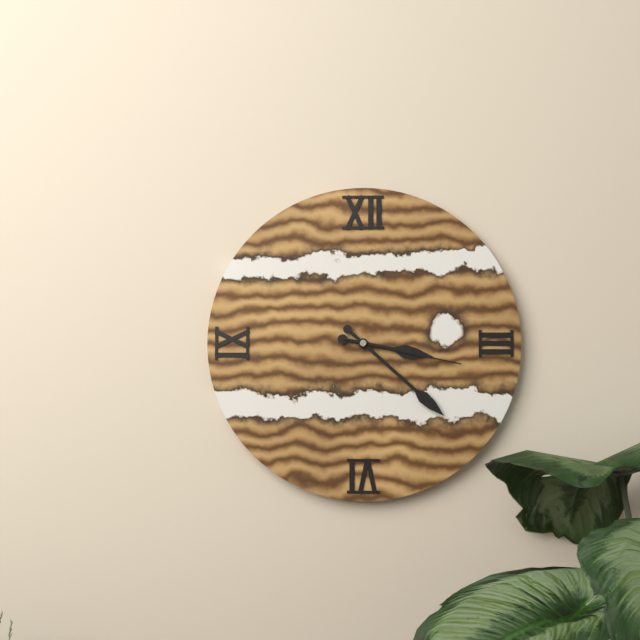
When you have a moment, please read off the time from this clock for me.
3:22:17
